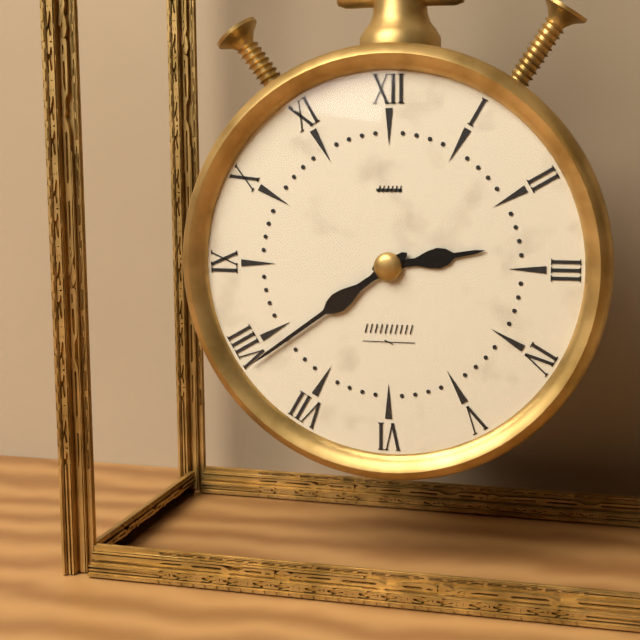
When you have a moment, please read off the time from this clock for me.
2:39
